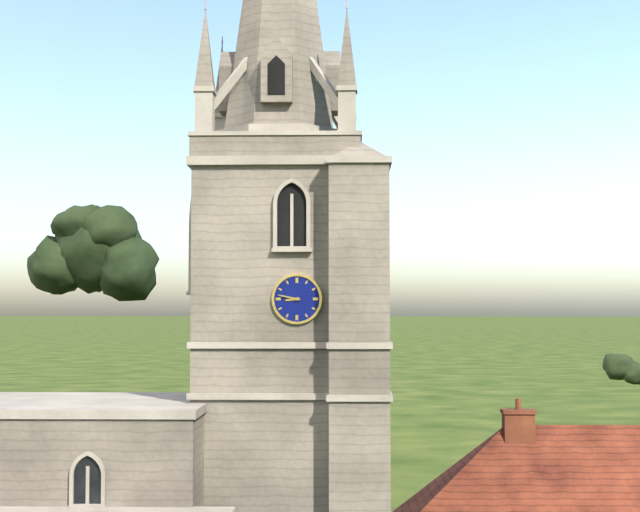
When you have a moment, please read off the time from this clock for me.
8:47
